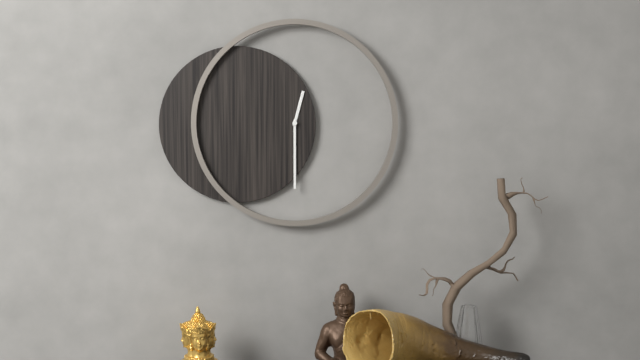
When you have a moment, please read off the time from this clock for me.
12:30
